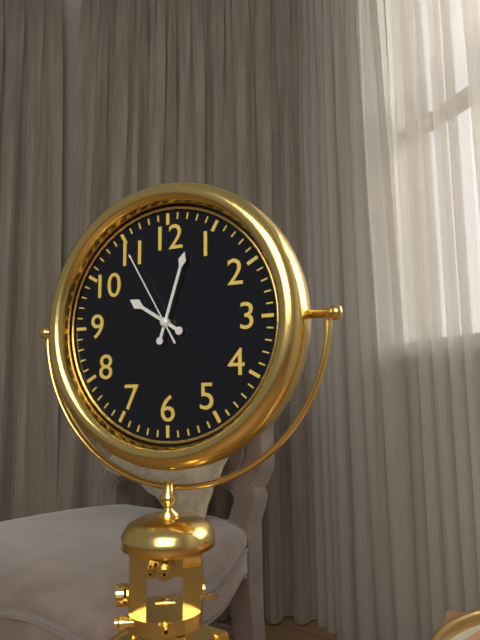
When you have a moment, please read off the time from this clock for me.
10:03:55
